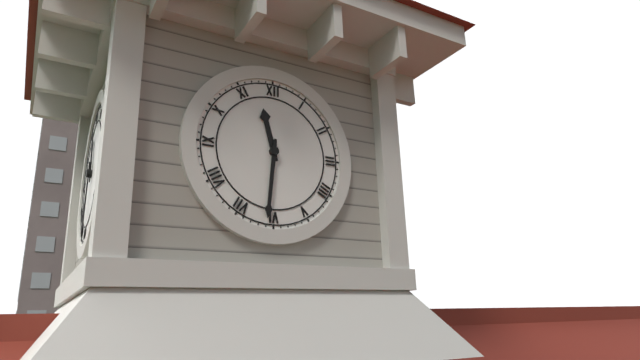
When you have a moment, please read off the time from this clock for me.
11:31
